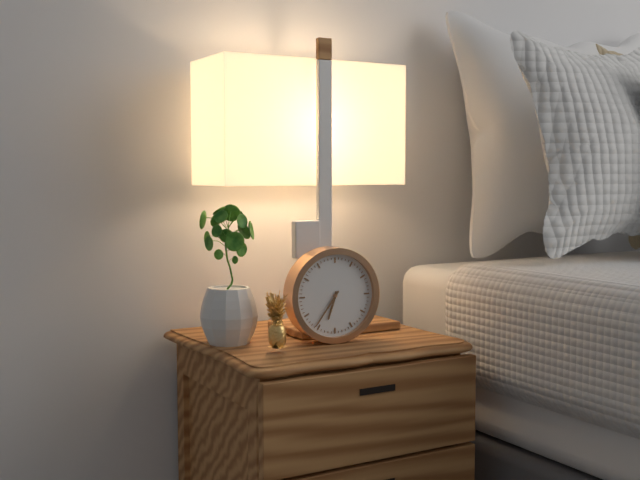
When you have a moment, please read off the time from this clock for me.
6:36
